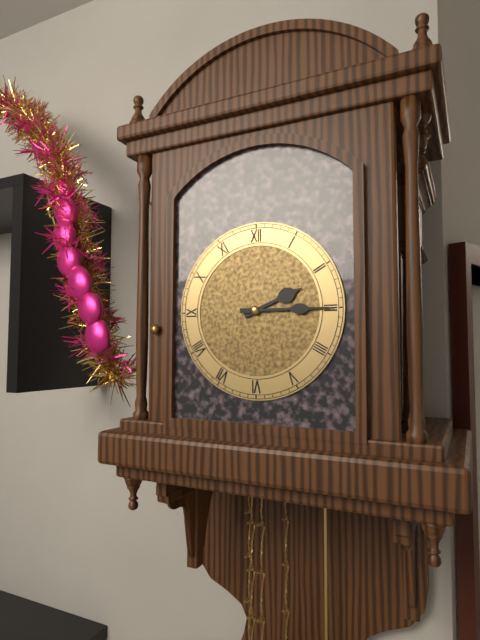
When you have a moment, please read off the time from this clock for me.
2:15
